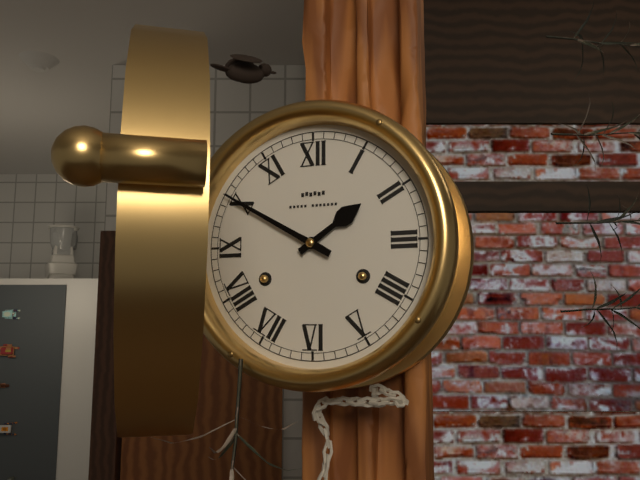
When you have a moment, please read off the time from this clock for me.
1:50
